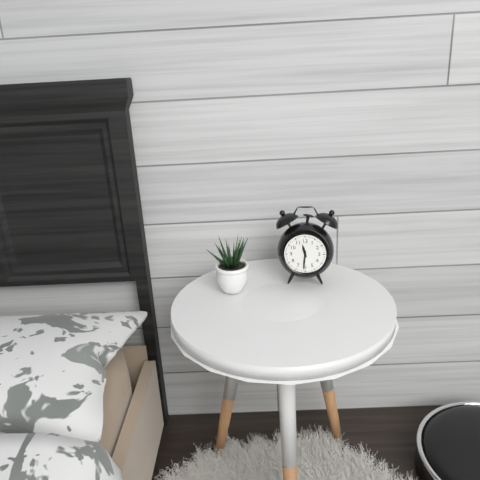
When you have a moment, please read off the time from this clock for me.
11:31
